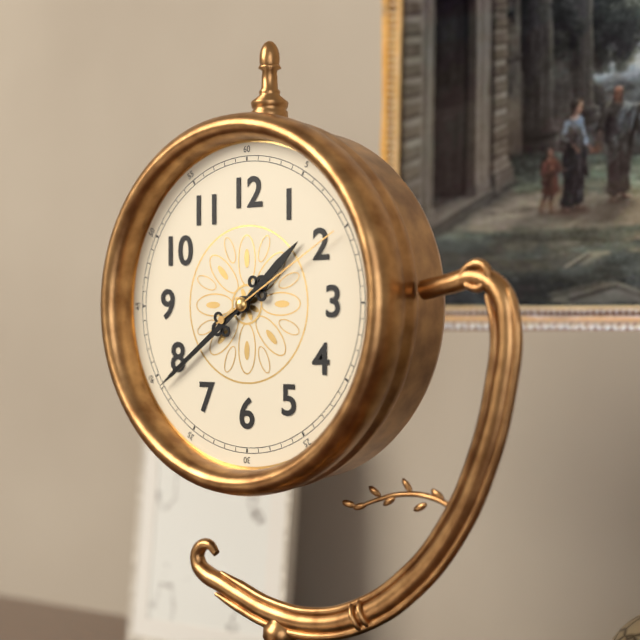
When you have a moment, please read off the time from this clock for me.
1:39:10
